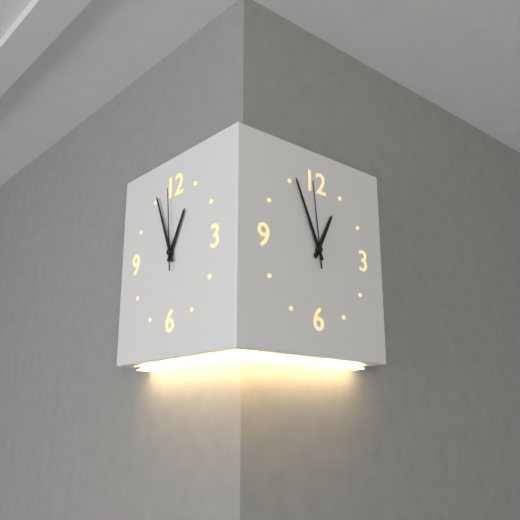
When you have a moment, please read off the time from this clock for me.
12:56:59
